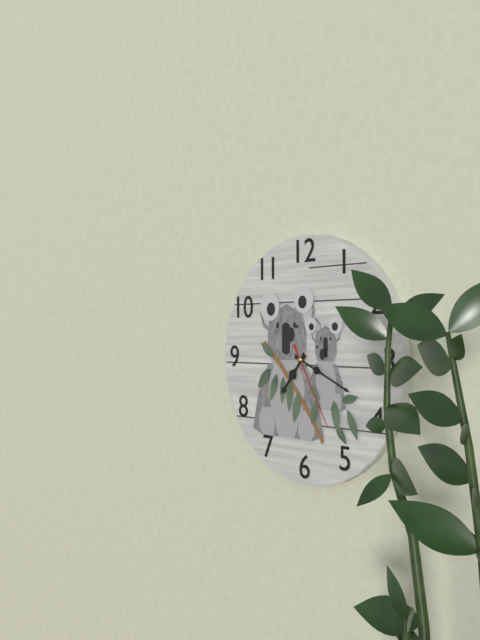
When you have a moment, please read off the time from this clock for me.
7:19:25
